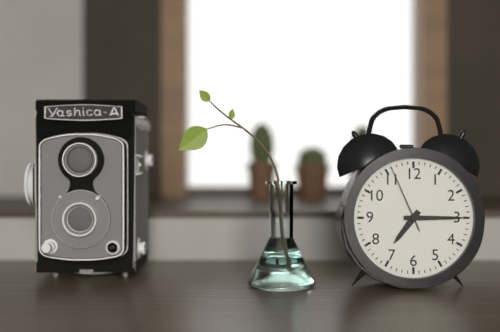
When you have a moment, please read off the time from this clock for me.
7:15:56
